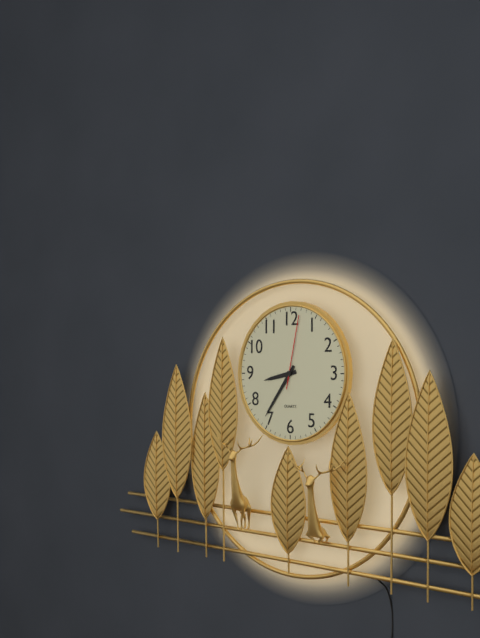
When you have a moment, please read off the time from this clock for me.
8:36:02
